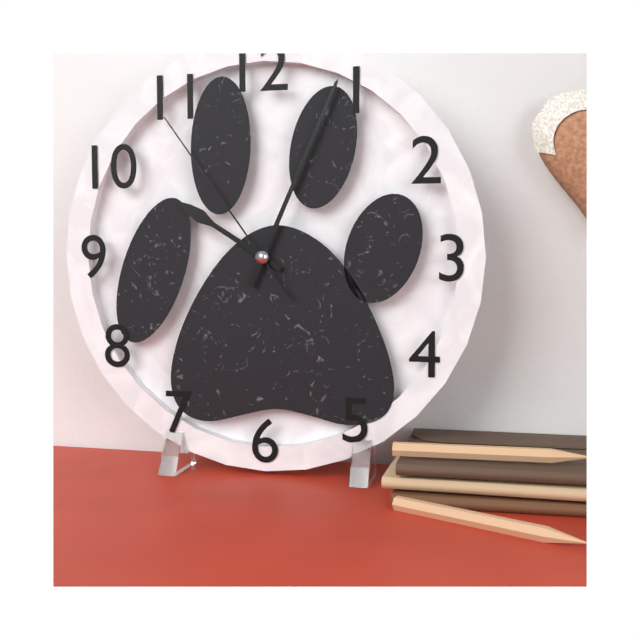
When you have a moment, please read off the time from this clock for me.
10:04:54
